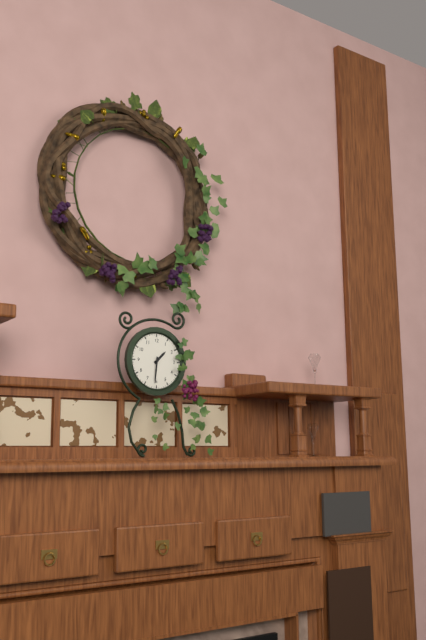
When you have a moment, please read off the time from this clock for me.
1:31
